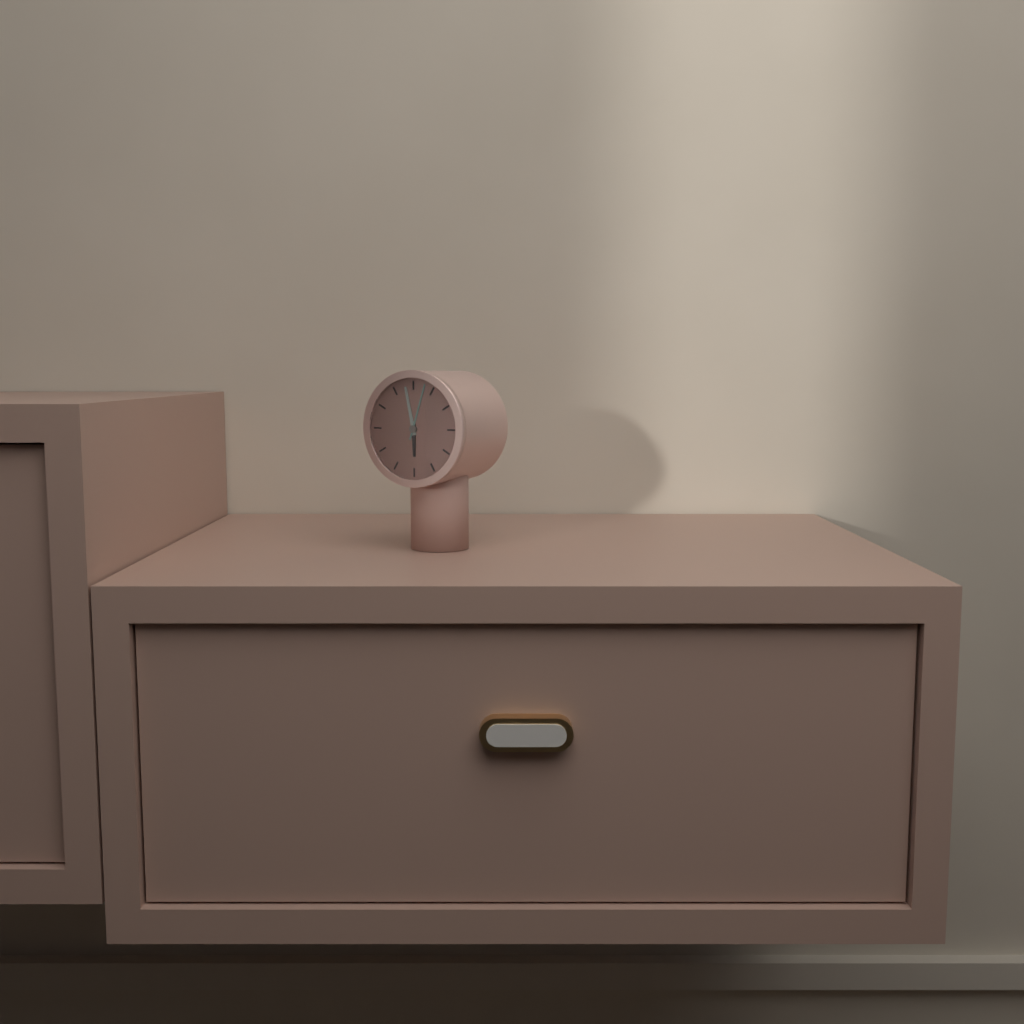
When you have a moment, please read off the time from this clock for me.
5:58:03
